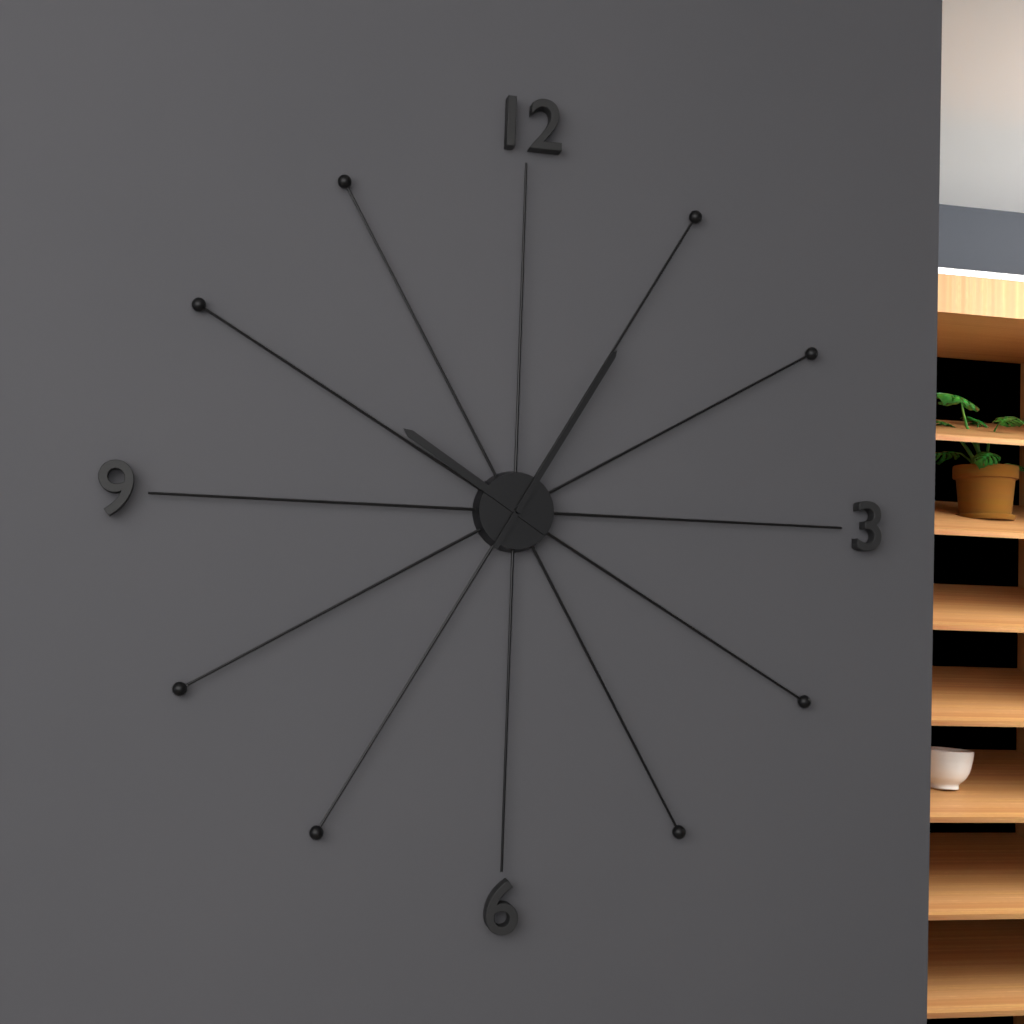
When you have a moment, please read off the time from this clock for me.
10:05
